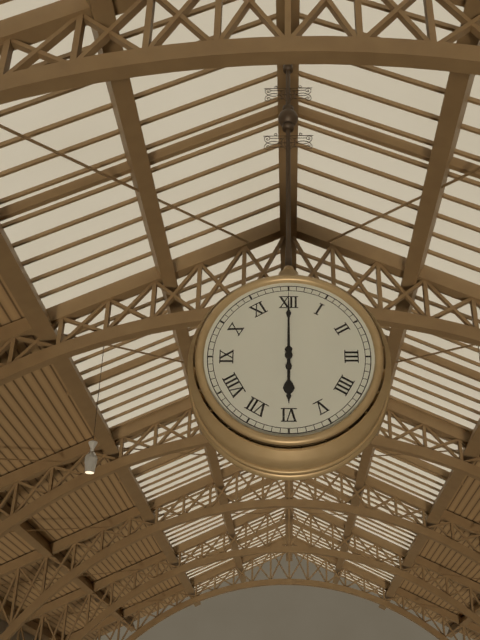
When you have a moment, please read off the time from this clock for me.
6:00
